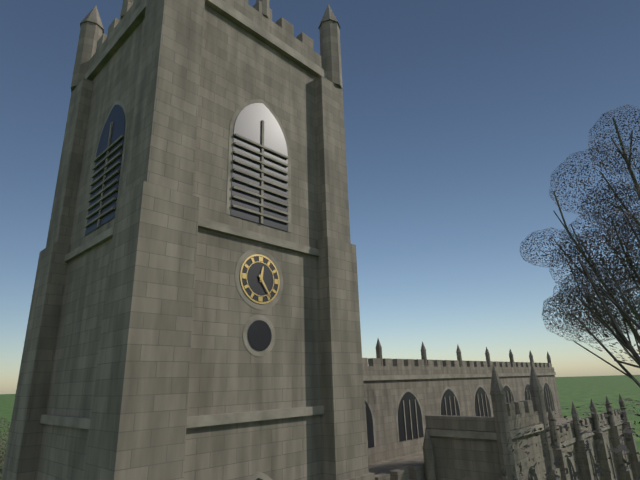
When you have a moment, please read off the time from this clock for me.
12:24
